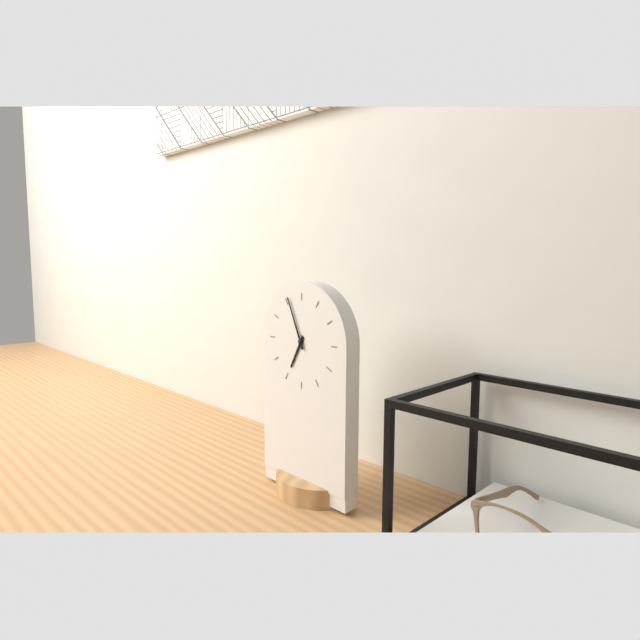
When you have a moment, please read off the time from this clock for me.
6:56
